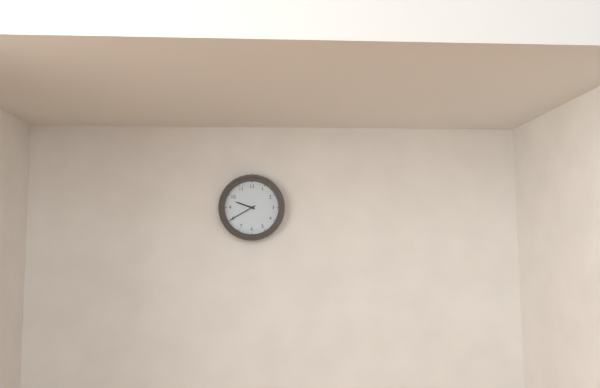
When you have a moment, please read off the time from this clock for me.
9:40
